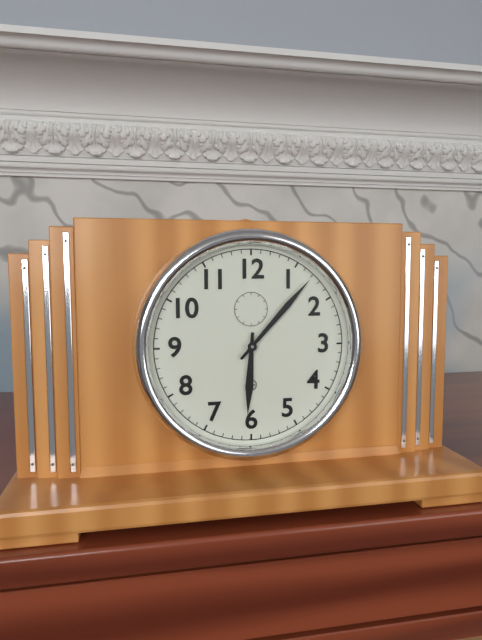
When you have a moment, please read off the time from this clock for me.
6:07
